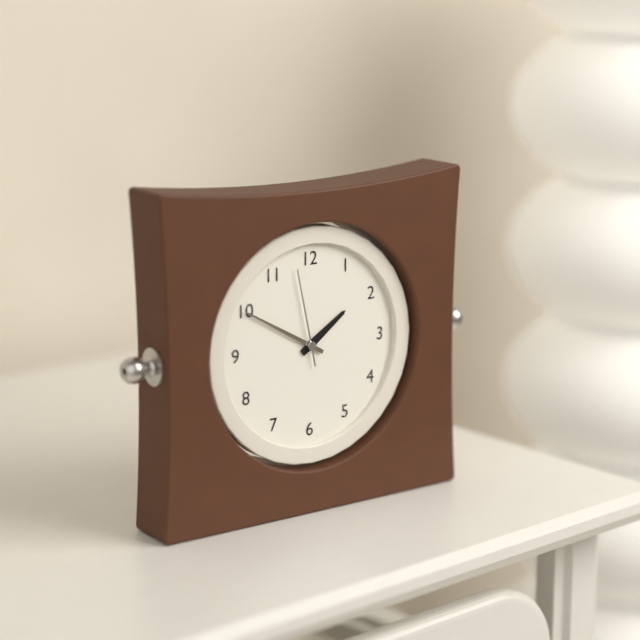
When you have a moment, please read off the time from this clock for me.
1:50:58
